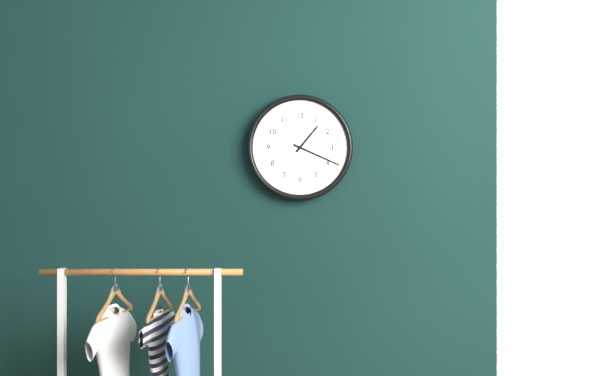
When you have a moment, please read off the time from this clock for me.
1:19
